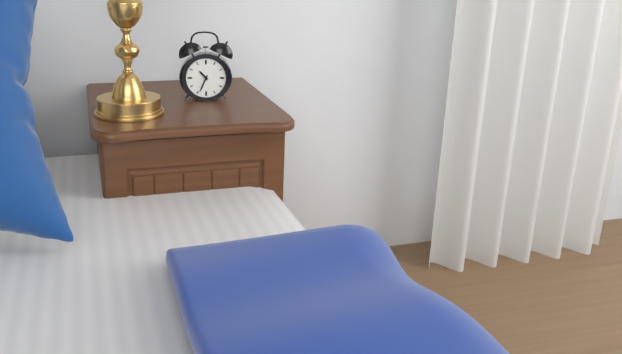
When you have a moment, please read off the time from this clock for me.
10:34
